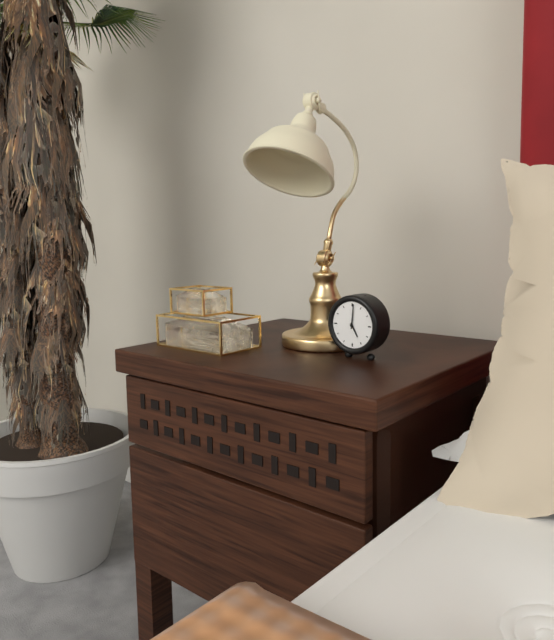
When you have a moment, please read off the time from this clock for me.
5:01
